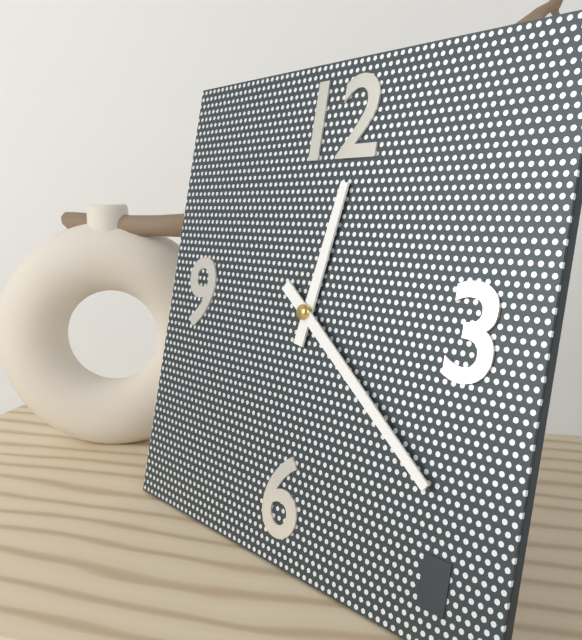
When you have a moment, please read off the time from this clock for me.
12:21
